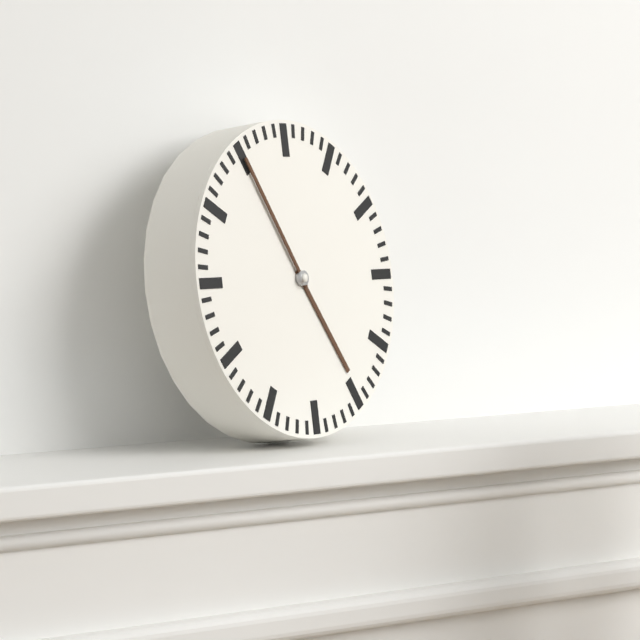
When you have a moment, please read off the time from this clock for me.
4:55
